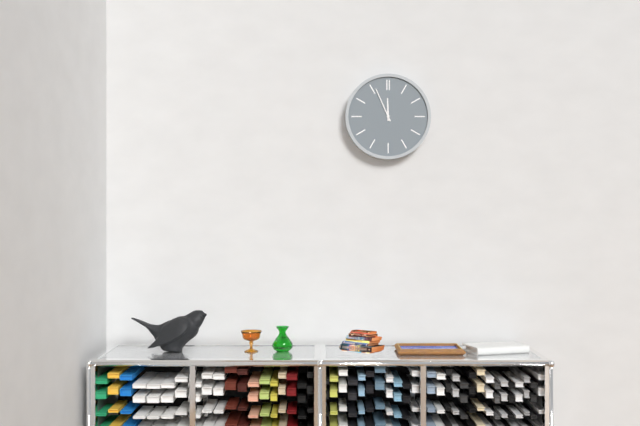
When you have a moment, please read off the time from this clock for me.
11:56
